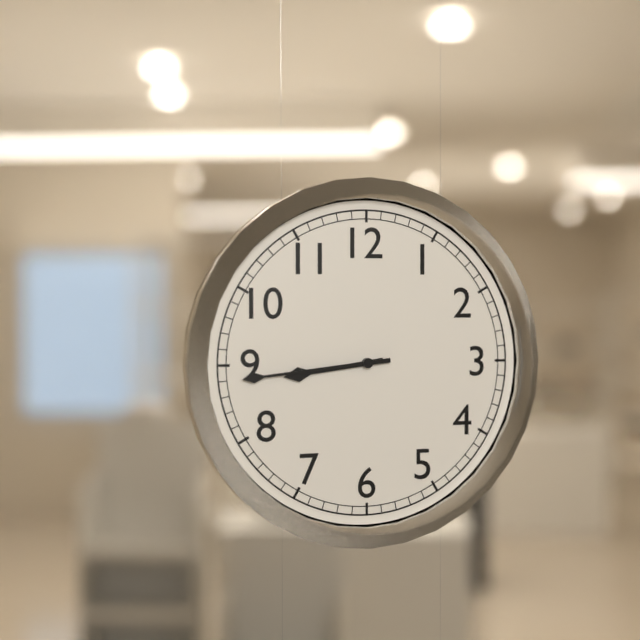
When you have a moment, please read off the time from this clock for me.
8:44
